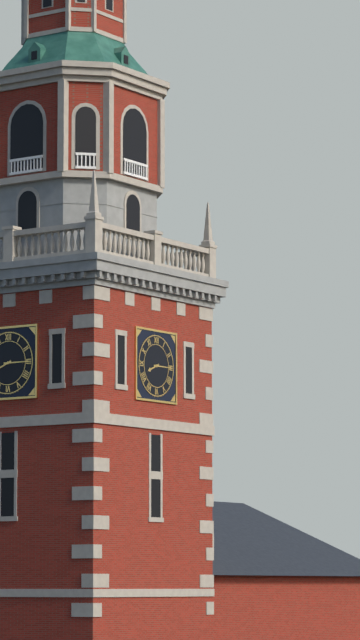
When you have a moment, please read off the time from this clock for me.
8:15
